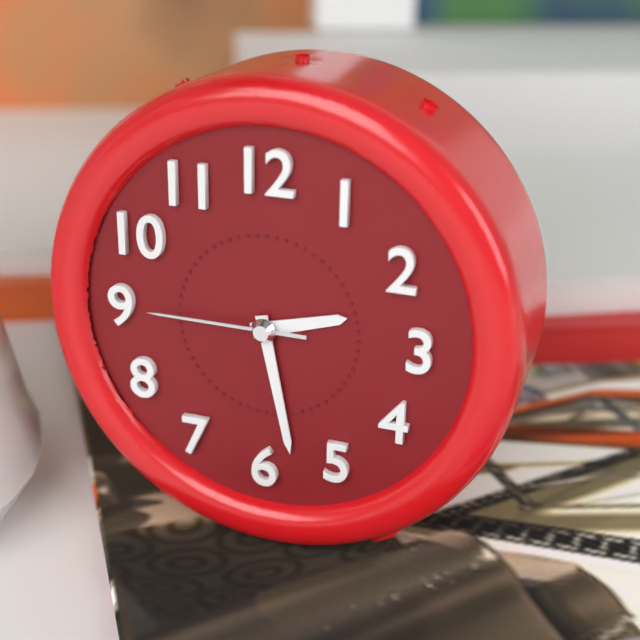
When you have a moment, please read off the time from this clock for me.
2:28:45
